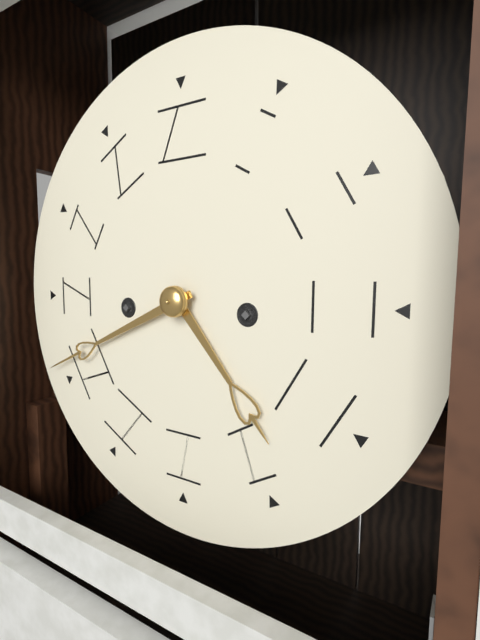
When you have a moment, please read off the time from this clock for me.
4:41
